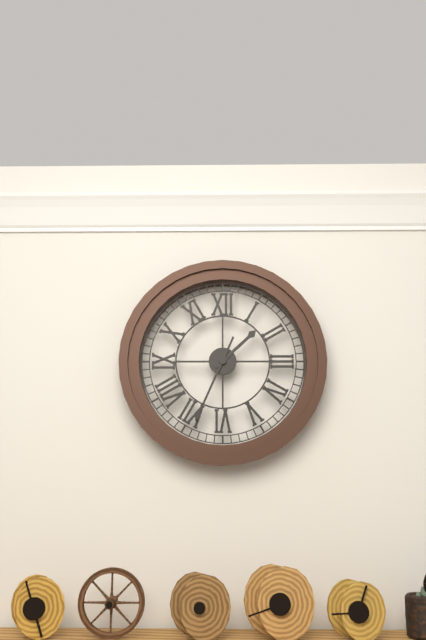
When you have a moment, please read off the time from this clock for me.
1:34
